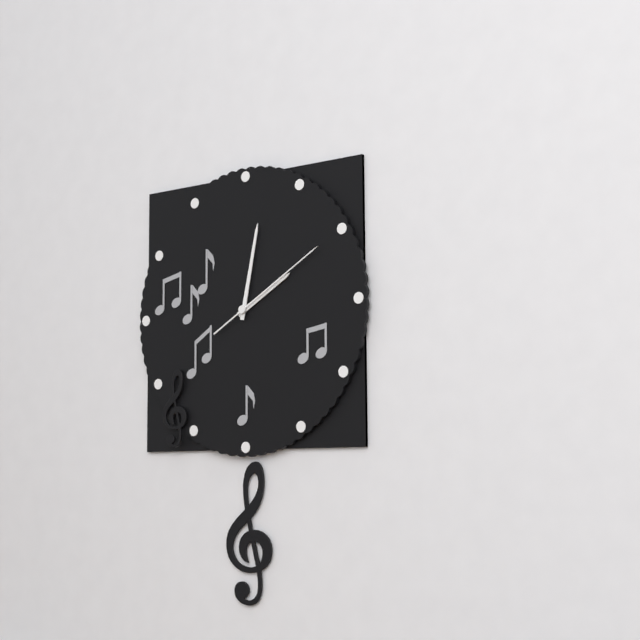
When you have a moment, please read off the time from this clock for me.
2:02:10
